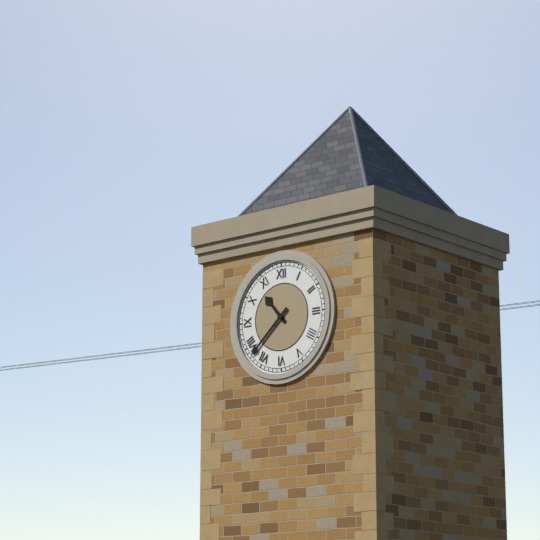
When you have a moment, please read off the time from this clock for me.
10:38
